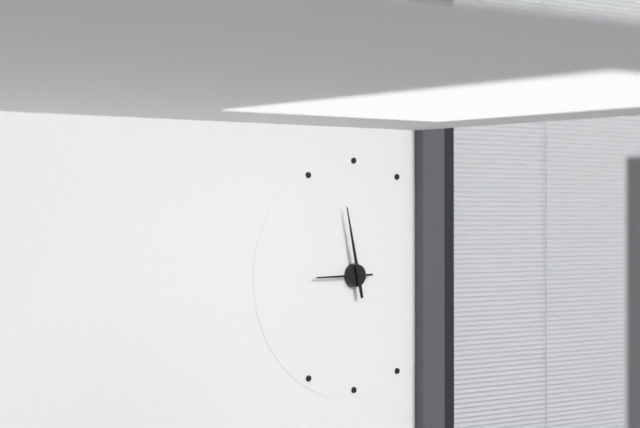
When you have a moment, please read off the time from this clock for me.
8:58
